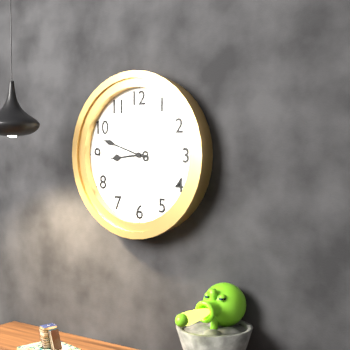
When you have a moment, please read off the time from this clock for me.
8:48
